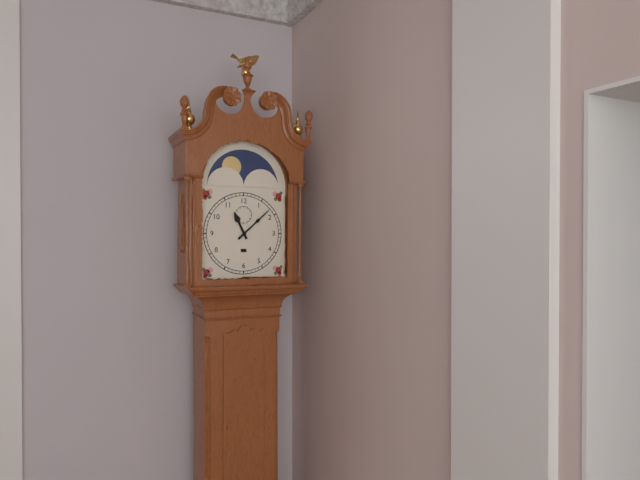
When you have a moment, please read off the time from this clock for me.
11:08
